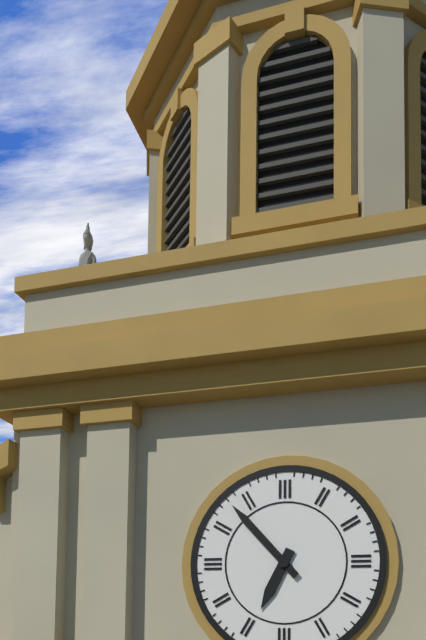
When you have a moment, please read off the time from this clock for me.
6:53
